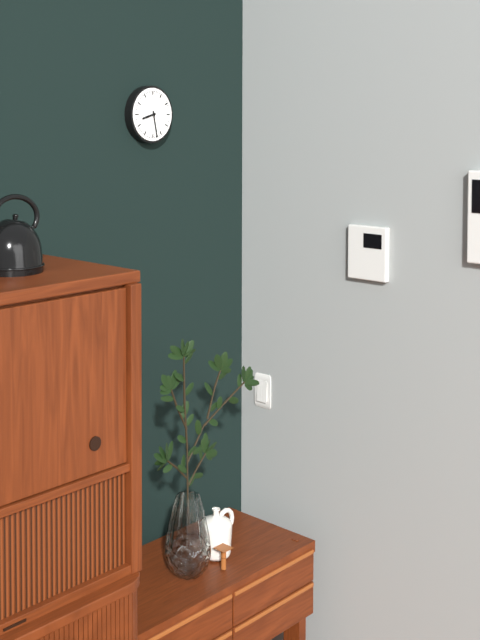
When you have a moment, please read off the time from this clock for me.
8:28
